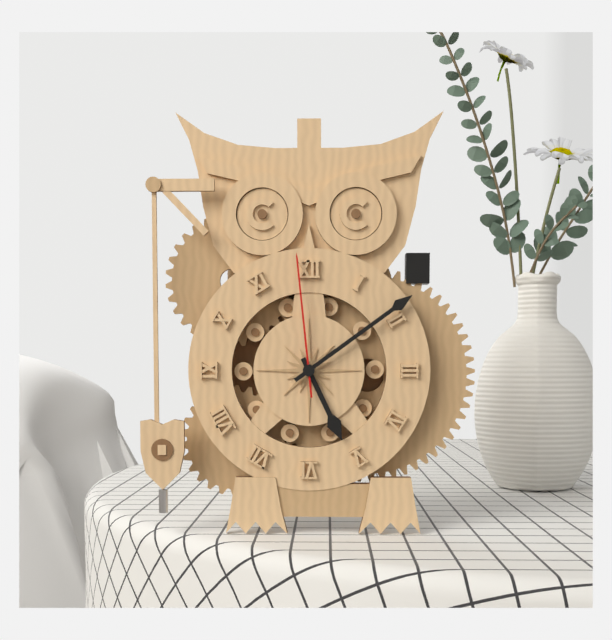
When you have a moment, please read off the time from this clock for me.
5:09:59
